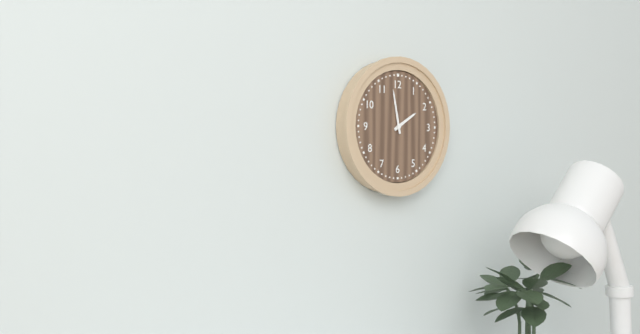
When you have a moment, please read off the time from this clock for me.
1:58
